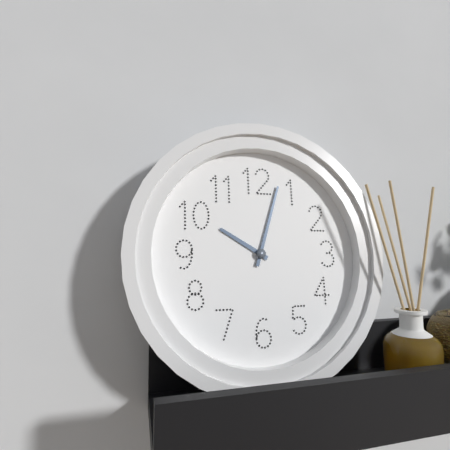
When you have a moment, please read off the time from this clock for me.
10:03
